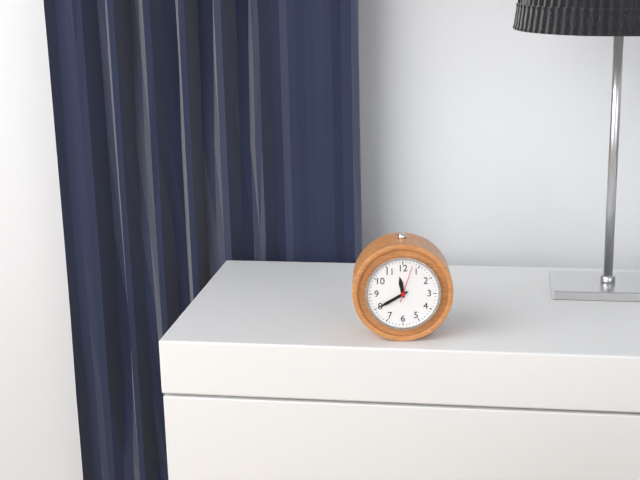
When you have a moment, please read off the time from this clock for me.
11:40
